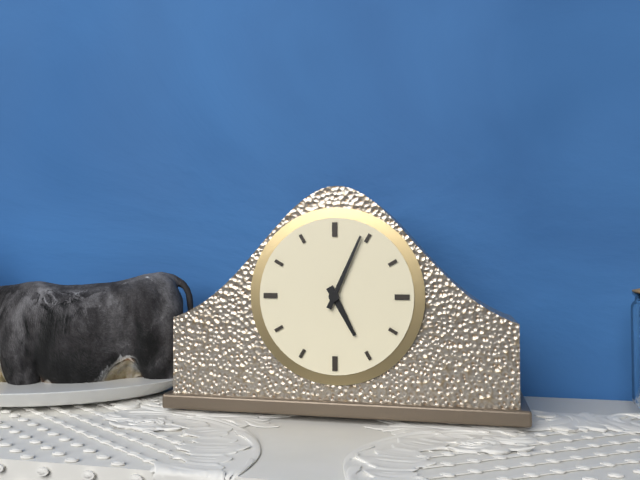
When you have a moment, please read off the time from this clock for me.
5:04
